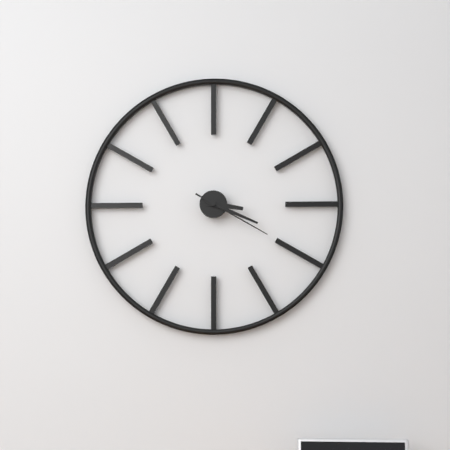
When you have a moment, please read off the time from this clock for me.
3:19:20
